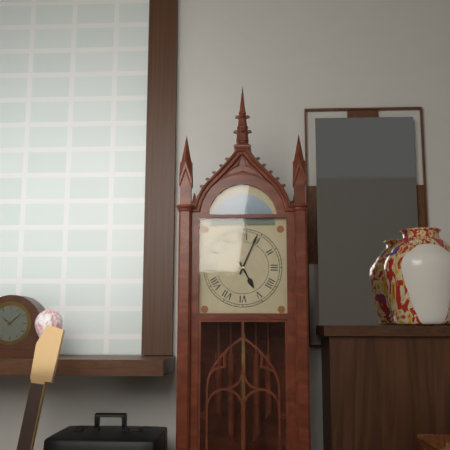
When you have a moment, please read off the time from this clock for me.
5:04
